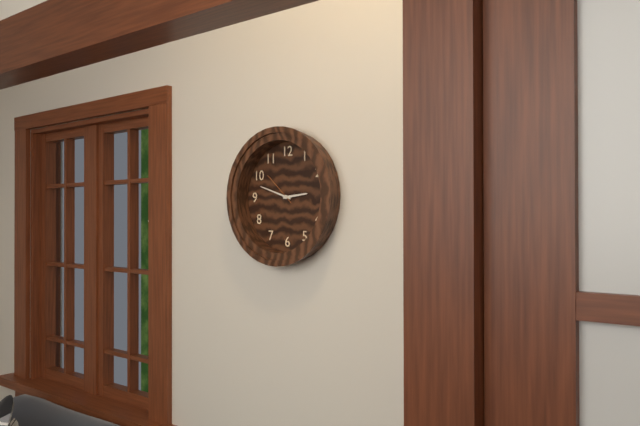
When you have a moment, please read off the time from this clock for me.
2:48
